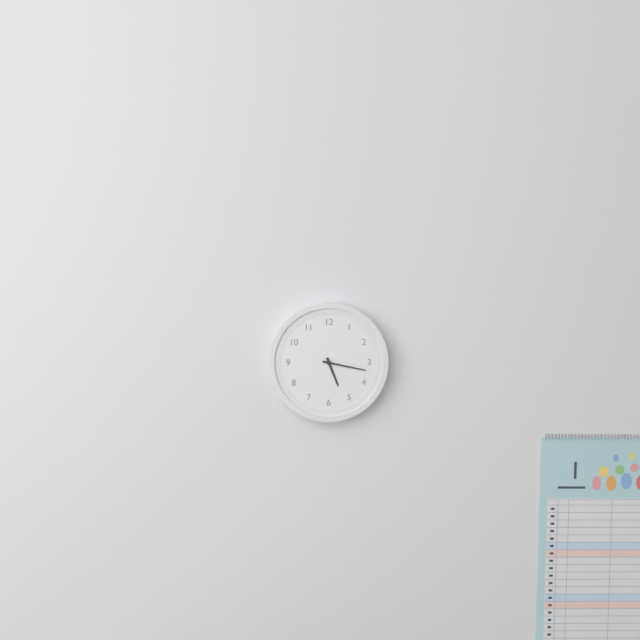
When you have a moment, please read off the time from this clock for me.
5:17
